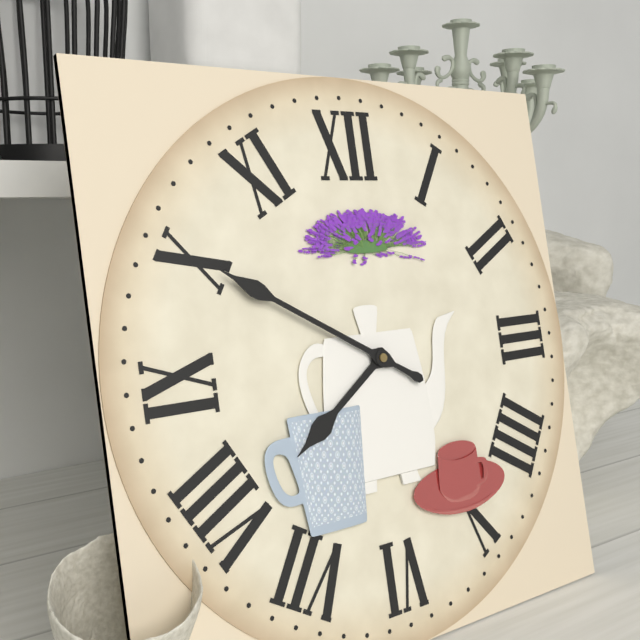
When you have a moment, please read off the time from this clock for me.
7:50
